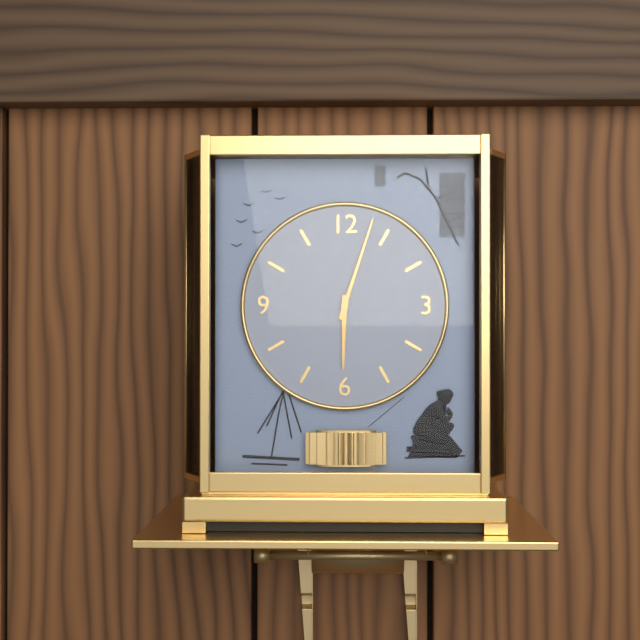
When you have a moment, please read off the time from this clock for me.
6:03
